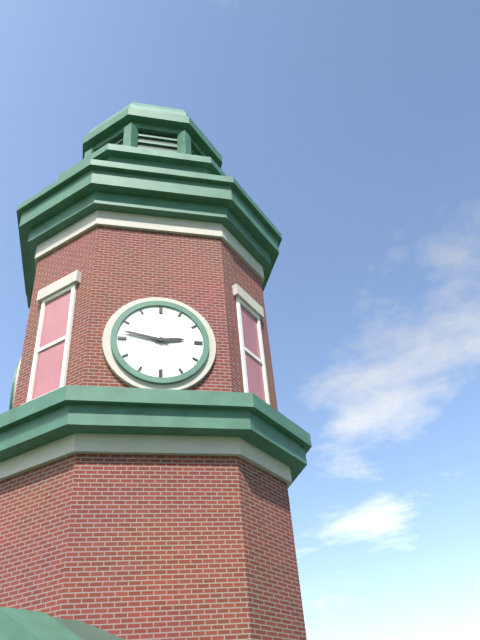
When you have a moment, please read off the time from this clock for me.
2:47
